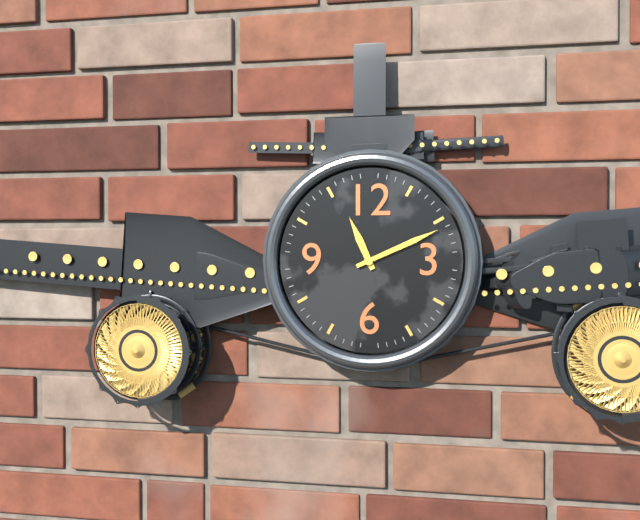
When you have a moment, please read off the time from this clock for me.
11:11
